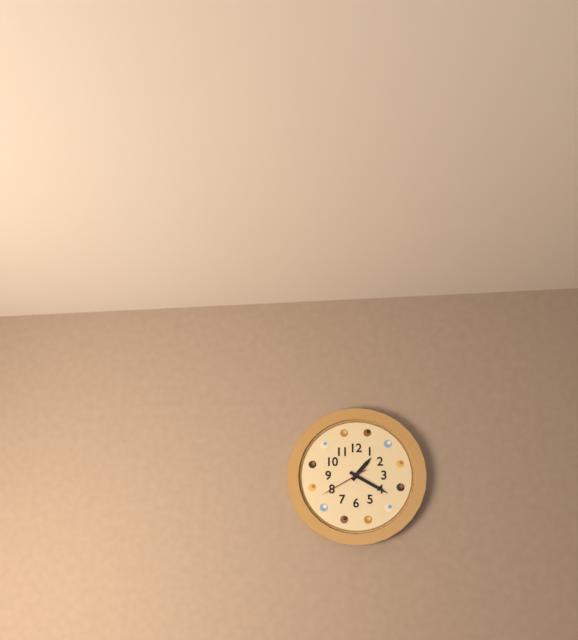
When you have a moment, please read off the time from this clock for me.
1:20
